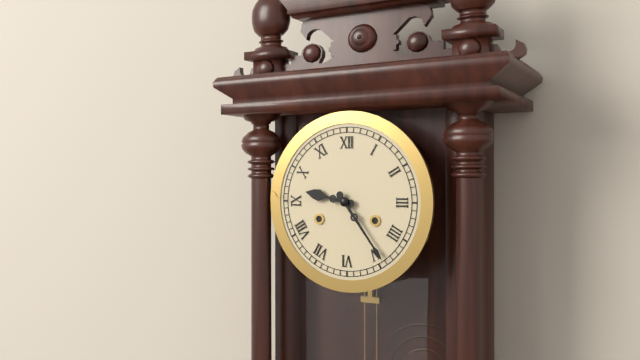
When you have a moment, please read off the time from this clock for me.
9:24
